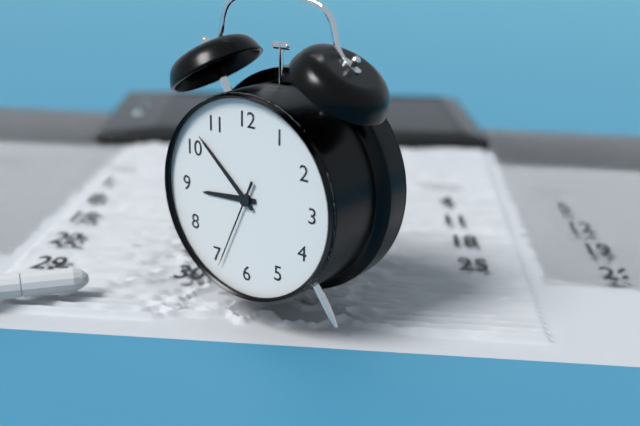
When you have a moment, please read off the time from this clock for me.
8:52:34
